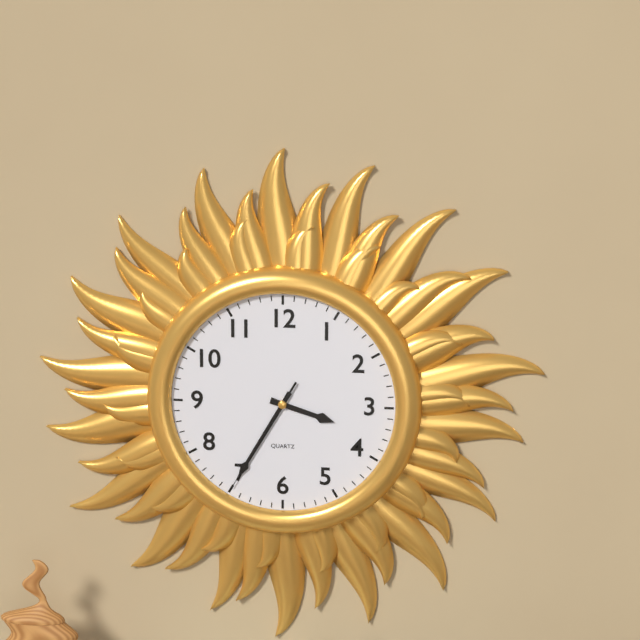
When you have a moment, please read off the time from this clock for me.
3:35:35
